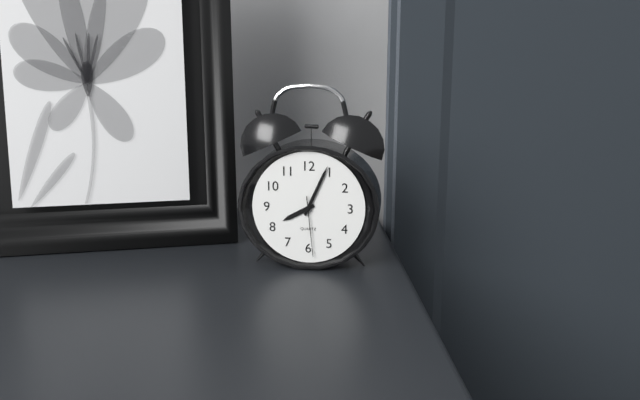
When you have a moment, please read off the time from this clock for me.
8:04:29
